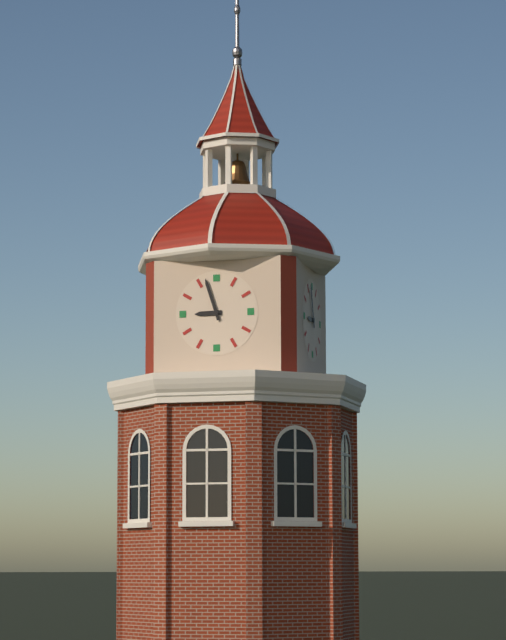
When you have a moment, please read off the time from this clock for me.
8:57
